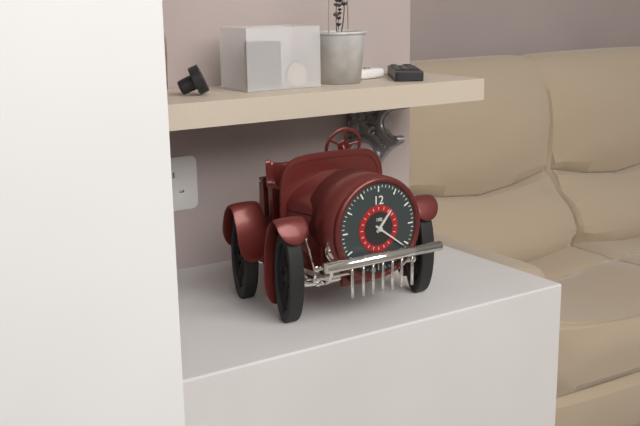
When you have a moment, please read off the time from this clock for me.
1:21
